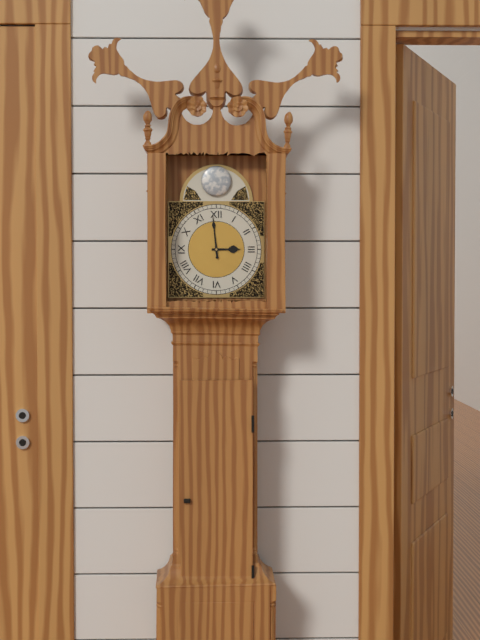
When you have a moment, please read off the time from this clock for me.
2:59
